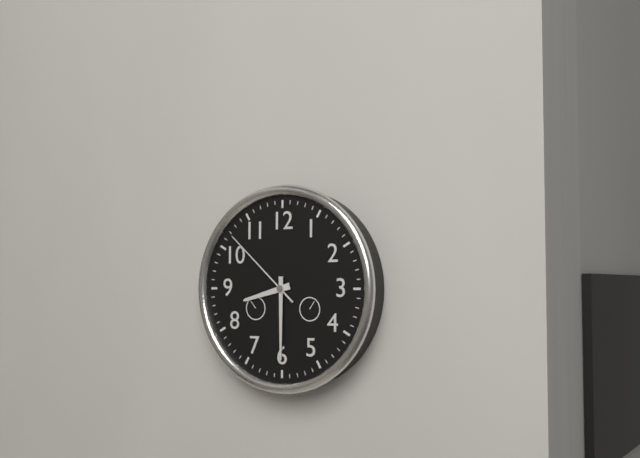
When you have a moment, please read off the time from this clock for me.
8:30:52
